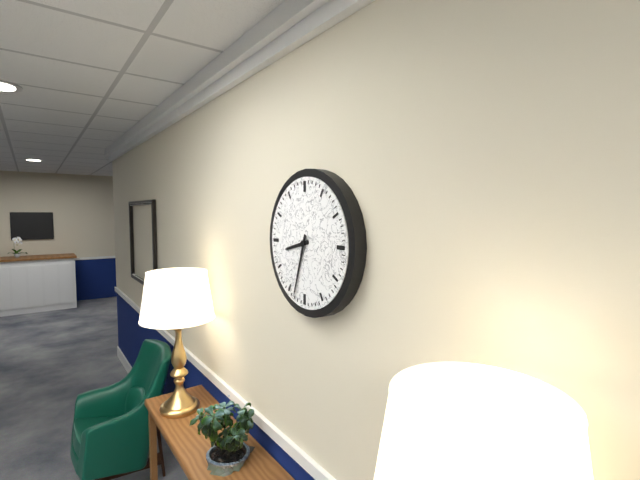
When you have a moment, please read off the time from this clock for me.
8:33
